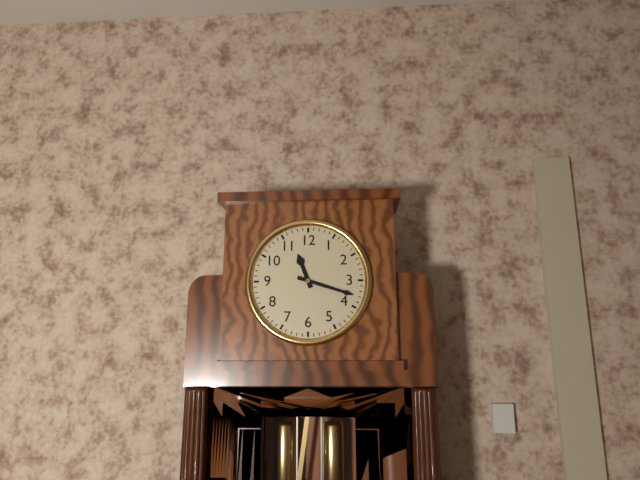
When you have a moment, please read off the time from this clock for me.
11:18
